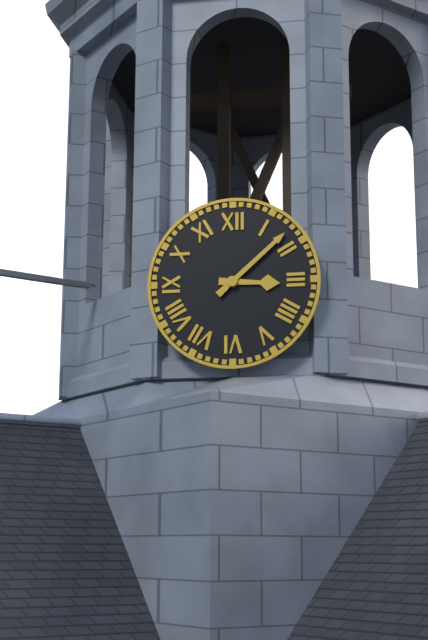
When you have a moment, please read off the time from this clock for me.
3:08
